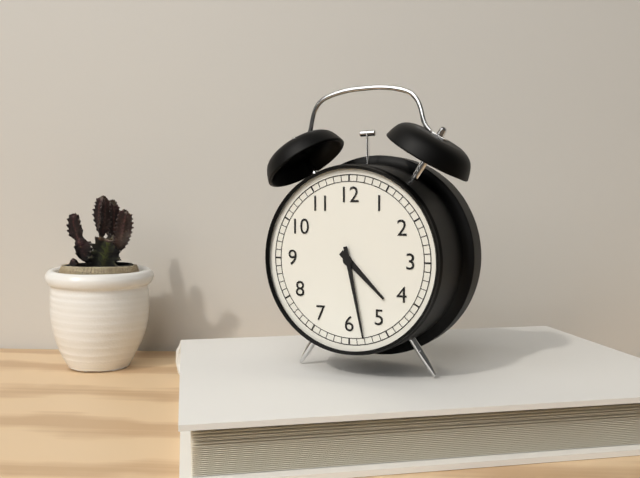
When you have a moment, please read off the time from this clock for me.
4:28
